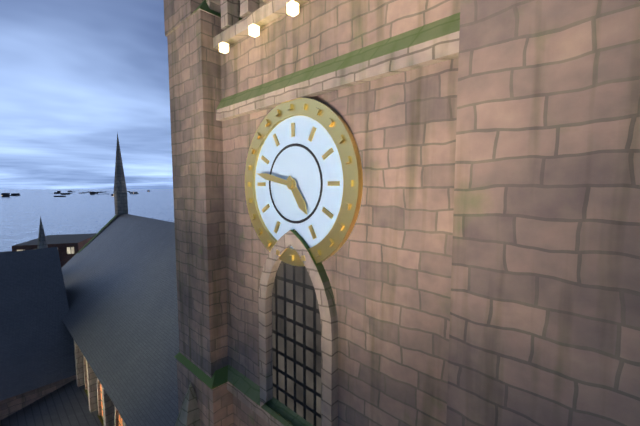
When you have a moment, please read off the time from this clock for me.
4:47
